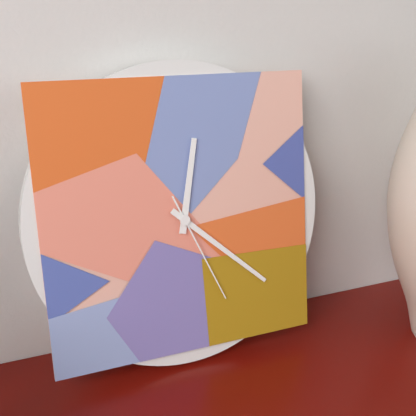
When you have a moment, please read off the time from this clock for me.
12:22:26
